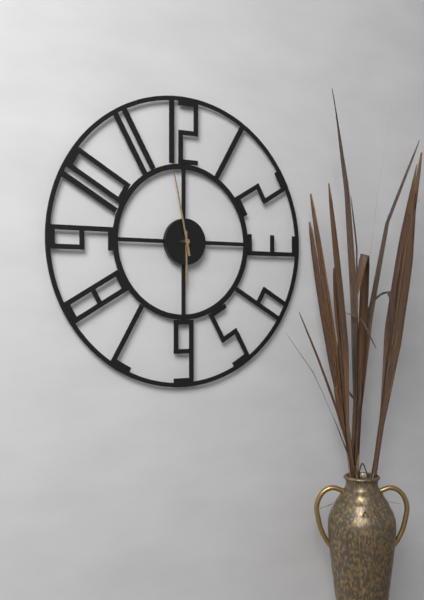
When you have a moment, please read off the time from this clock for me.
5:58
